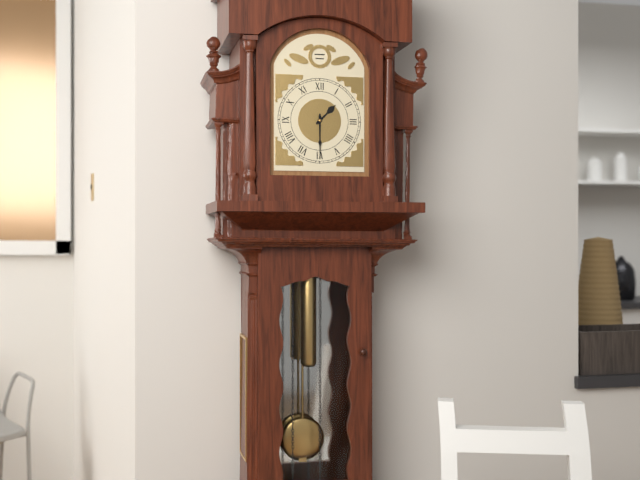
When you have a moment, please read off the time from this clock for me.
1:30
